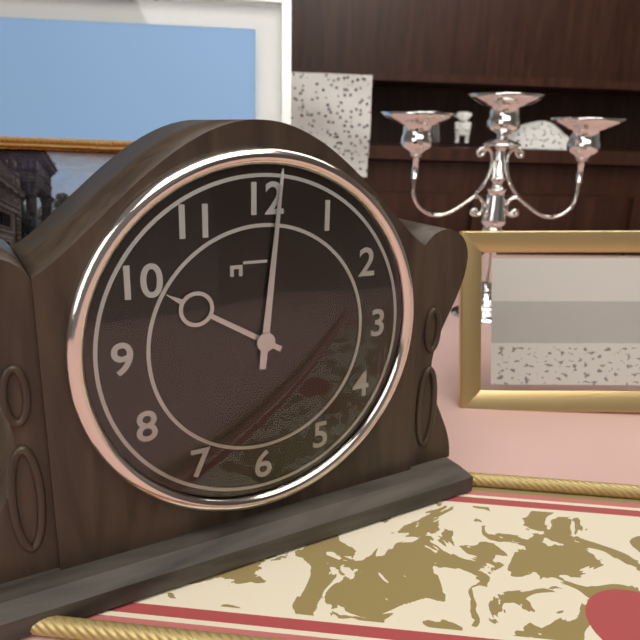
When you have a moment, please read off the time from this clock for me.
10:01
